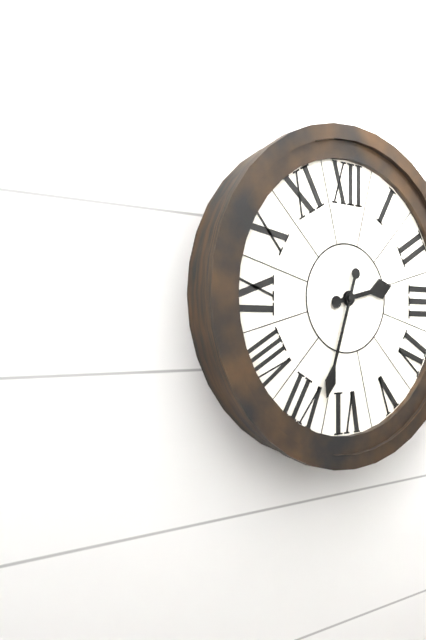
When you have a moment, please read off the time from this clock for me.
2:33
